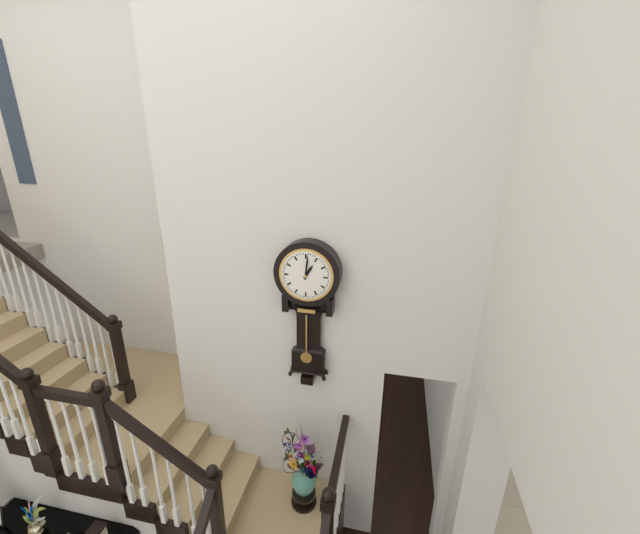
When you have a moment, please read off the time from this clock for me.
1:01
